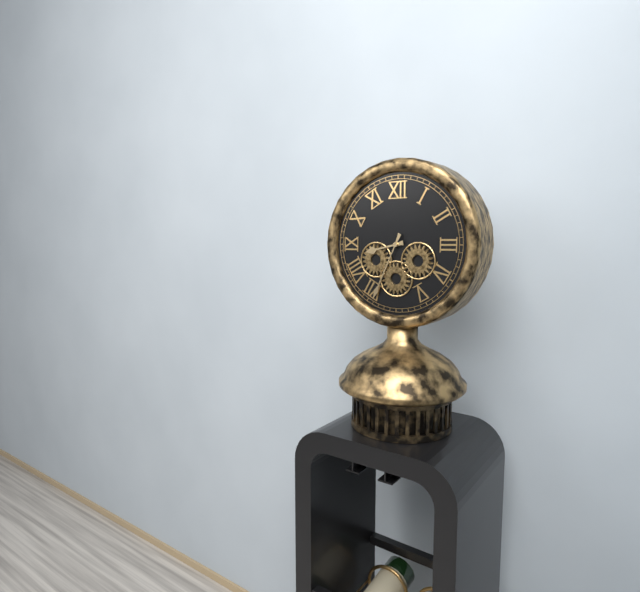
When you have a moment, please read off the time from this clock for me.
8:34
